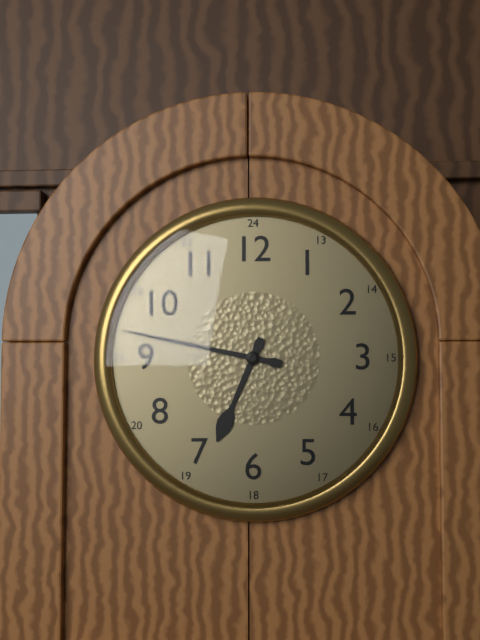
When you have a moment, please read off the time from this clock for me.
6:47
